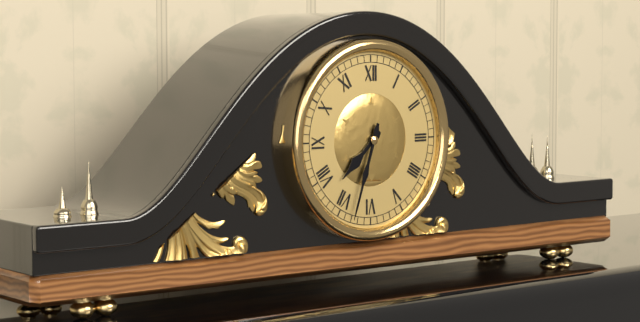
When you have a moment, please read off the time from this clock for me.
7:33
